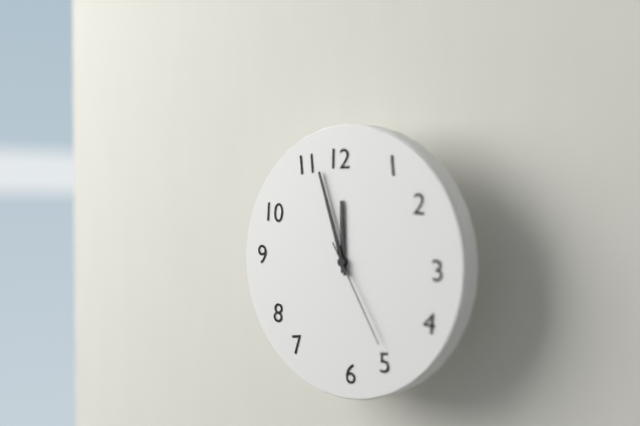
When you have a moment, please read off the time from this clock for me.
11:57:25
